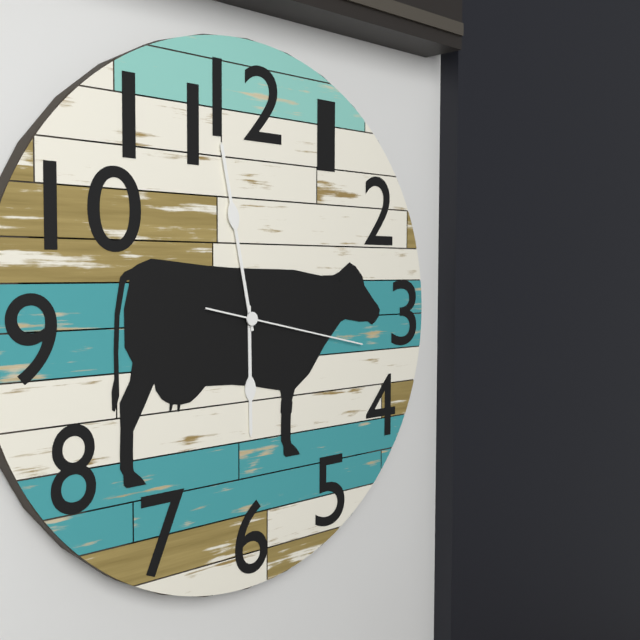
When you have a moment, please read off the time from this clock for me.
5:58:17
